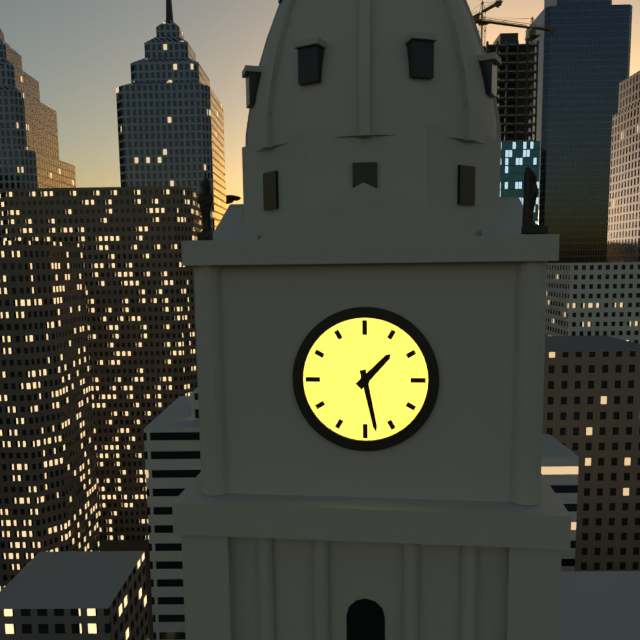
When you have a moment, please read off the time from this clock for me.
1:28
